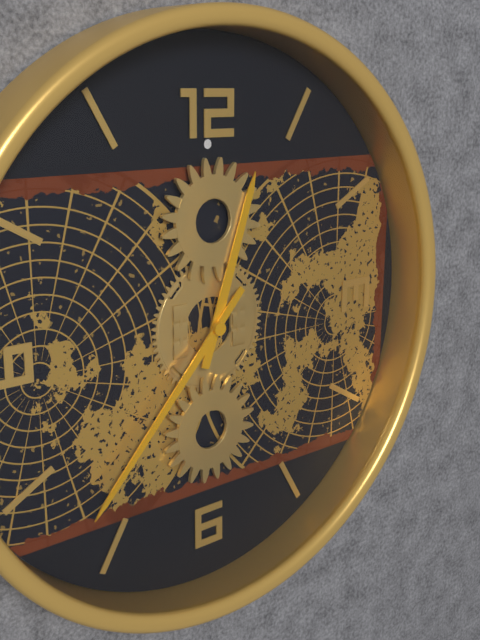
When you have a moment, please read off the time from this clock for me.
12:37
